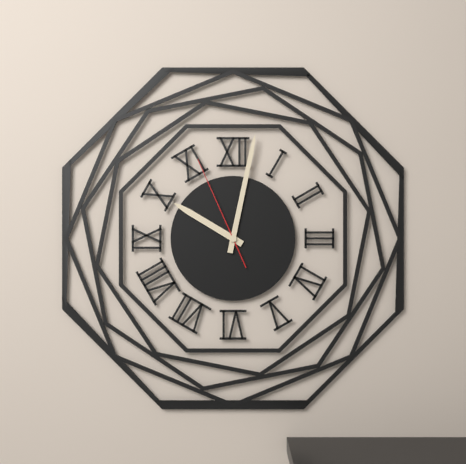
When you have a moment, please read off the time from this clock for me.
10:02:56
